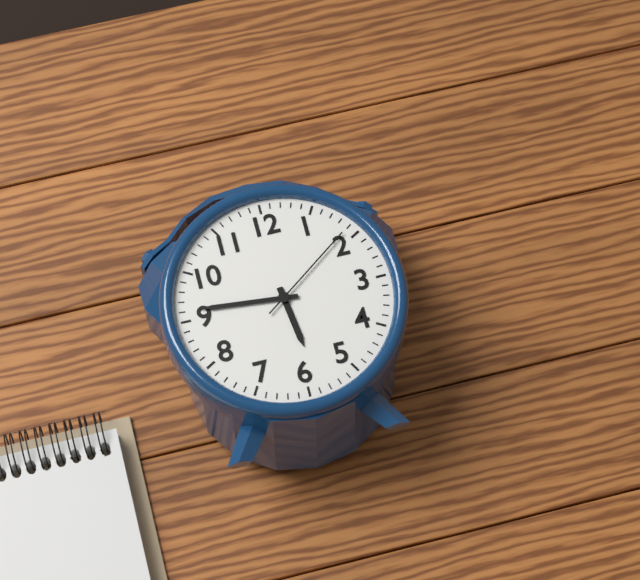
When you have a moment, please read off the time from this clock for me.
5:46:09
